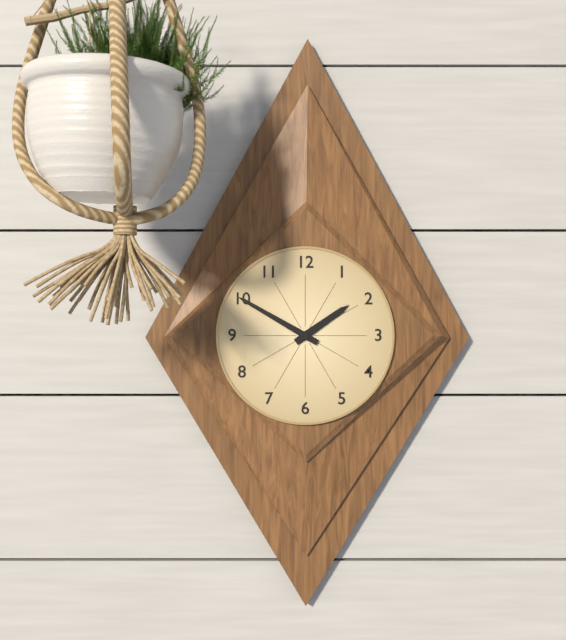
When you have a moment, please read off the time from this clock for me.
1:50
